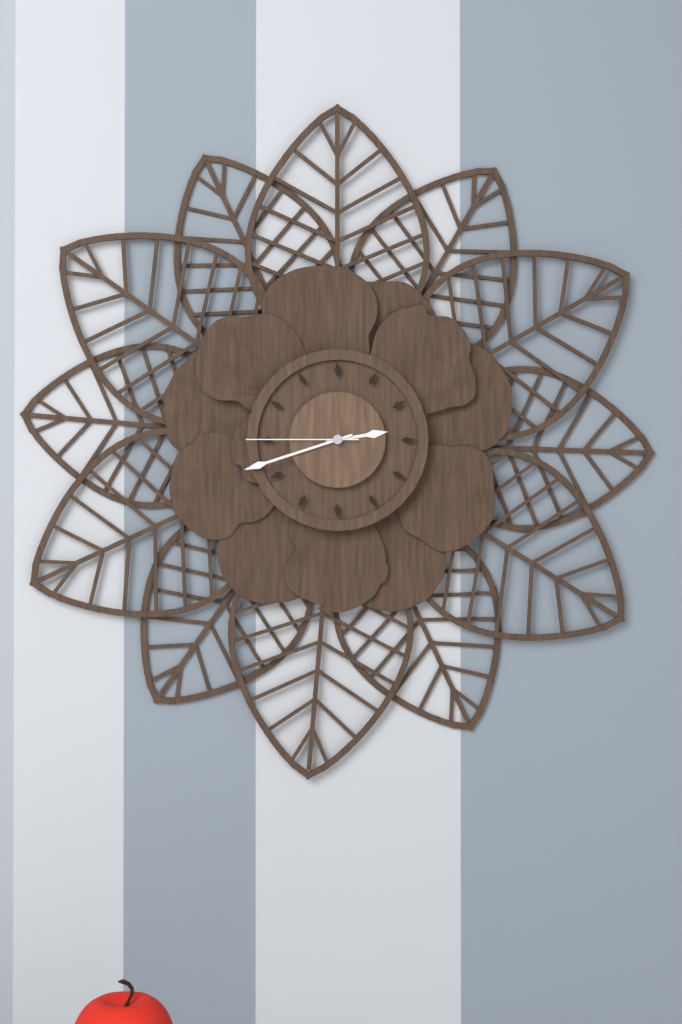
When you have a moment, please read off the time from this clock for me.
2:42:45
